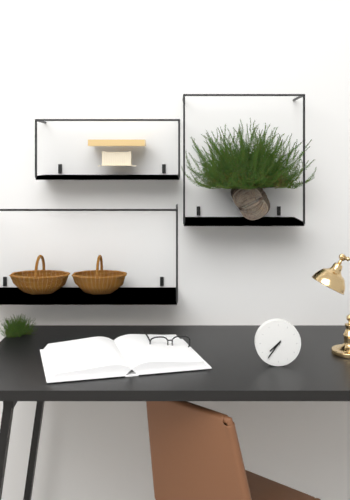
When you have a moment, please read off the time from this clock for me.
7:36
